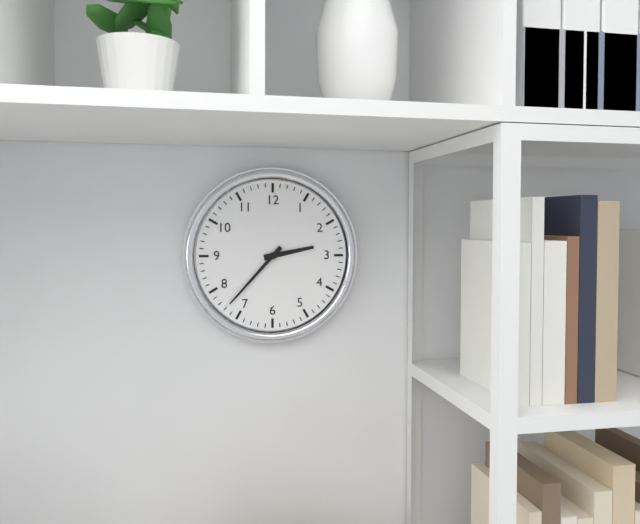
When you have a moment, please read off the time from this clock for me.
2:37
